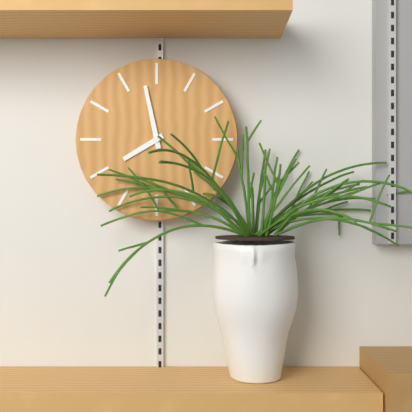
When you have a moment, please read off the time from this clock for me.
7:58
